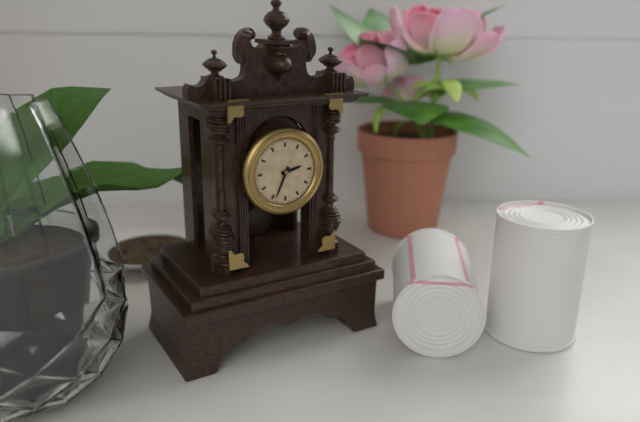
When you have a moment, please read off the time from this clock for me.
2:34
